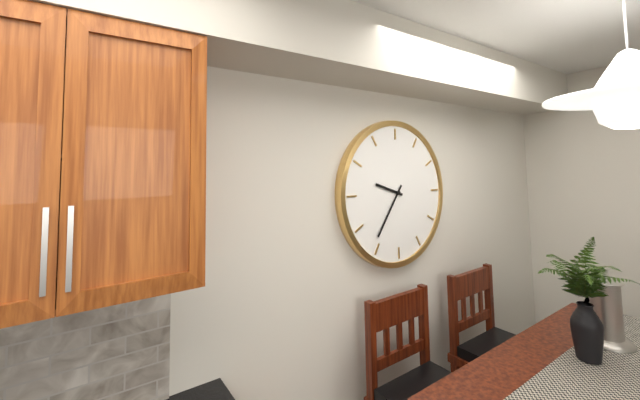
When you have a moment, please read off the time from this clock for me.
9:36
